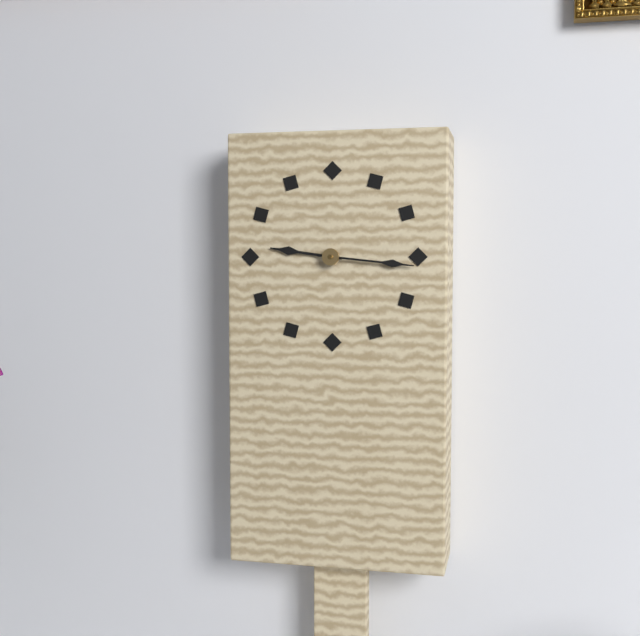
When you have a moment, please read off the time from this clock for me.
9:16
